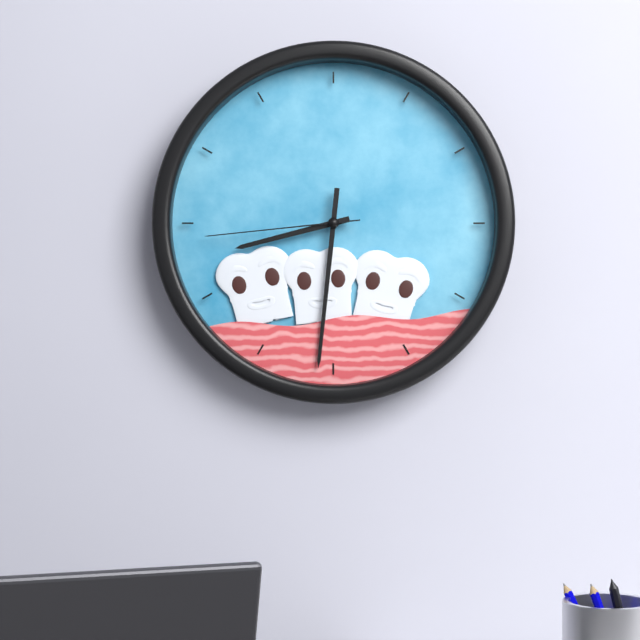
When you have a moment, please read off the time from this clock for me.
8:31:44
